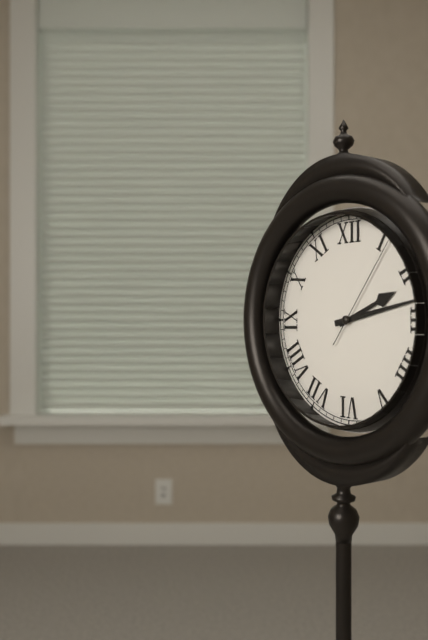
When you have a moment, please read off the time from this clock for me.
2:13:06
